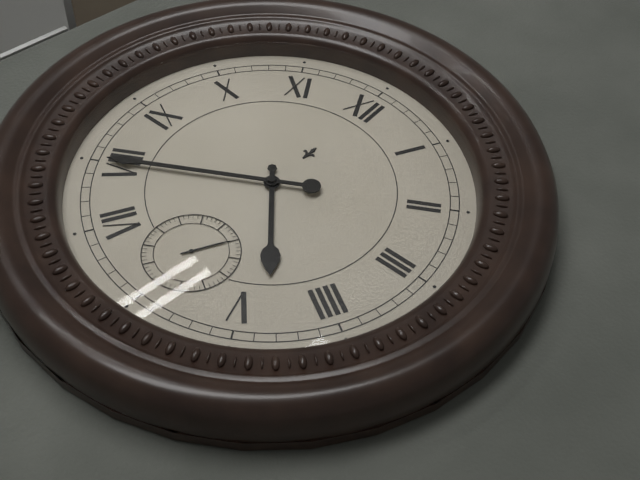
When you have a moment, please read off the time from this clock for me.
4:40:05
